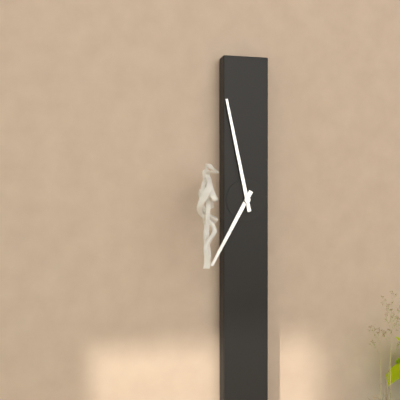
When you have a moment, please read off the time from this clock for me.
6:58
